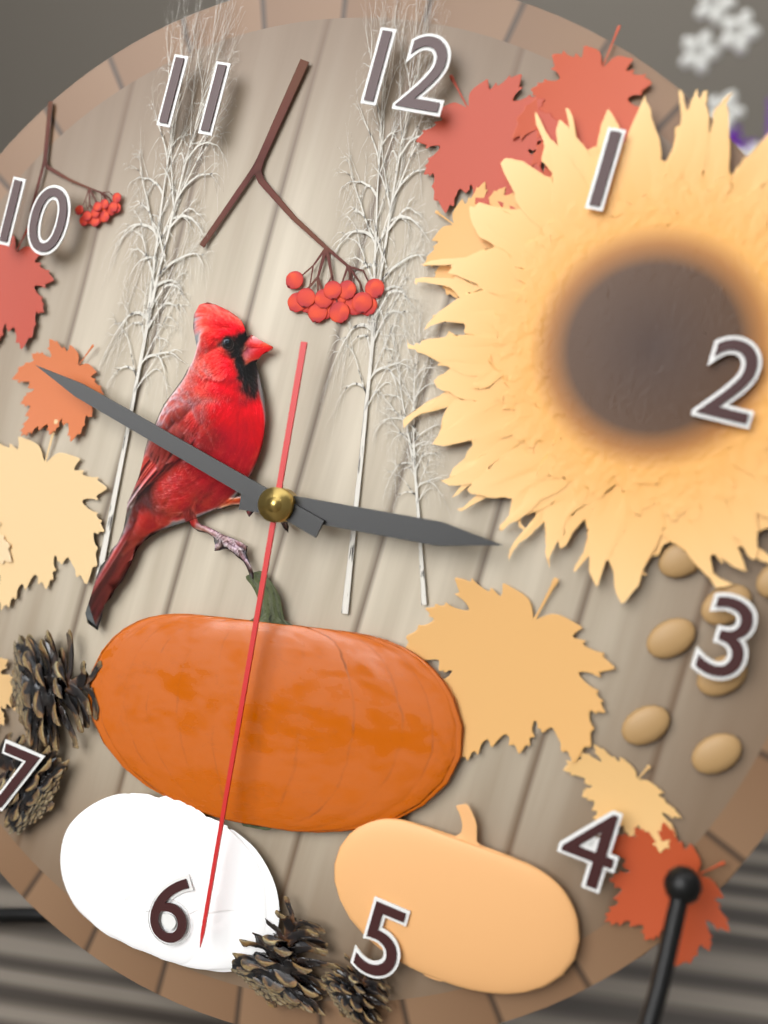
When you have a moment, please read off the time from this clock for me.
2:47:29
